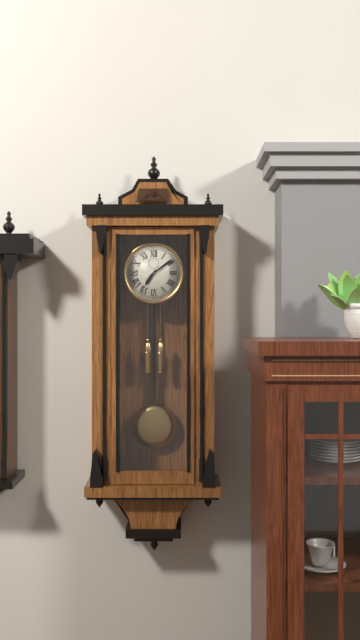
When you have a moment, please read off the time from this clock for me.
7:09
